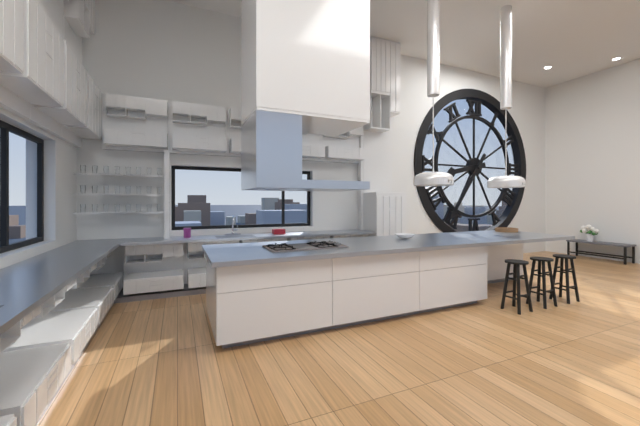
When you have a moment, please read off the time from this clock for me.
8:36
